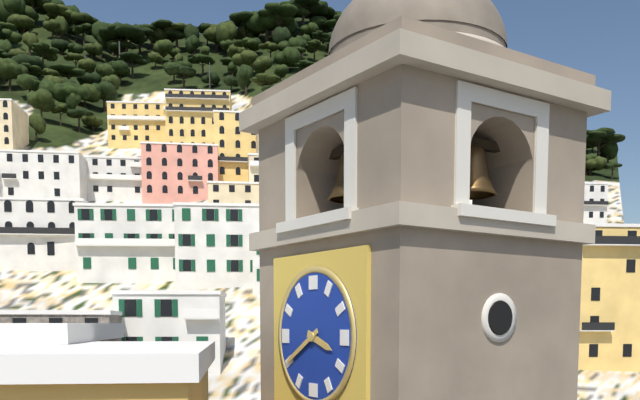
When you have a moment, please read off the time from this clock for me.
3:40
